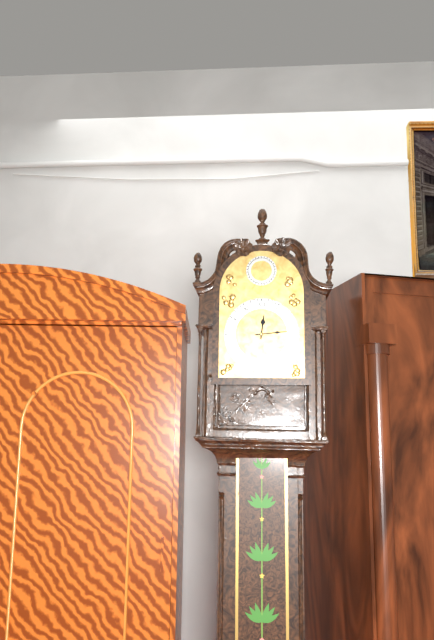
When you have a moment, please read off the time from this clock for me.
12:14
